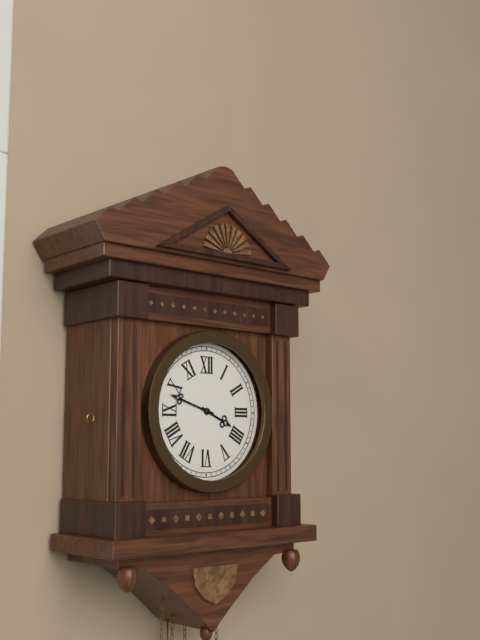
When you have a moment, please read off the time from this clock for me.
3:48
